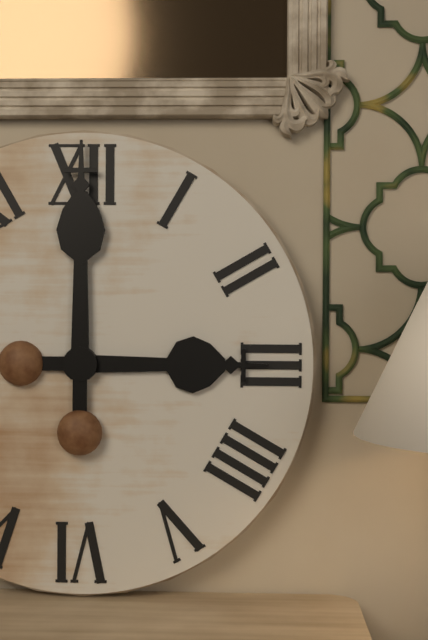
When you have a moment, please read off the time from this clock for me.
3:00
